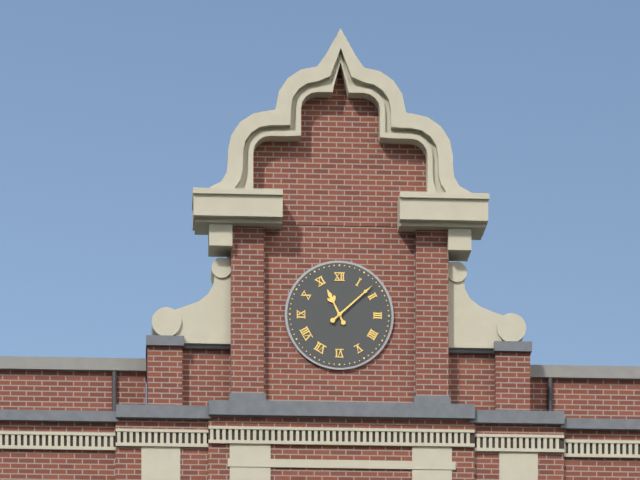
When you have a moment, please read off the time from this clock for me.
11:08
